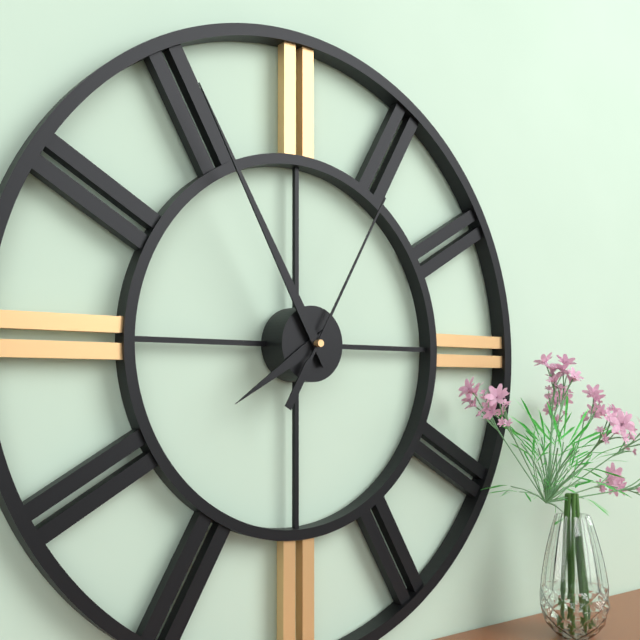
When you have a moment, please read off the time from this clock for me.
7:55:05
